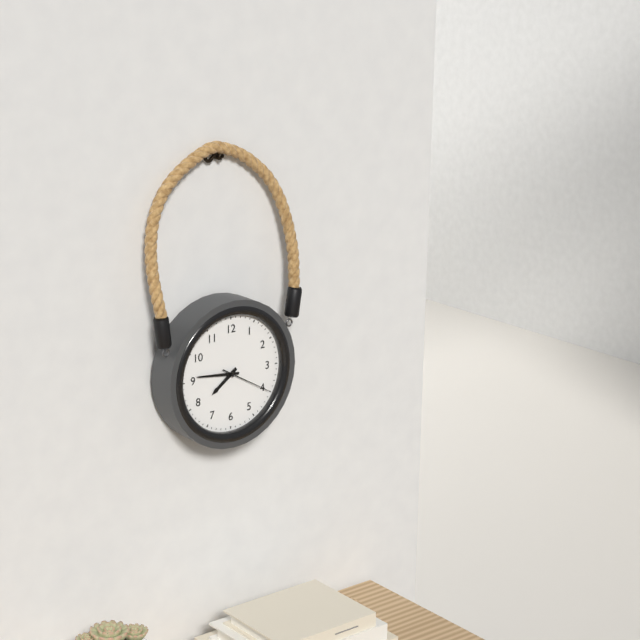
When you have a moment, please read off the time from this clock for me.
7:46
